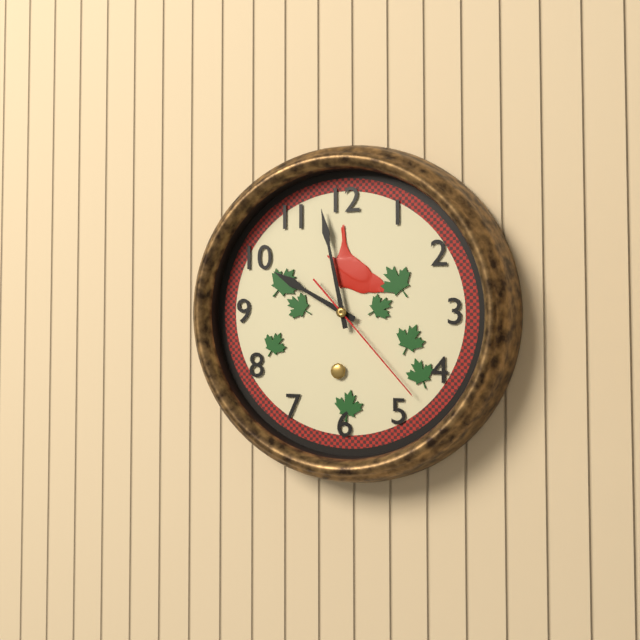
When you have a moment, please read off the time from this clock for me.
9:58:23
